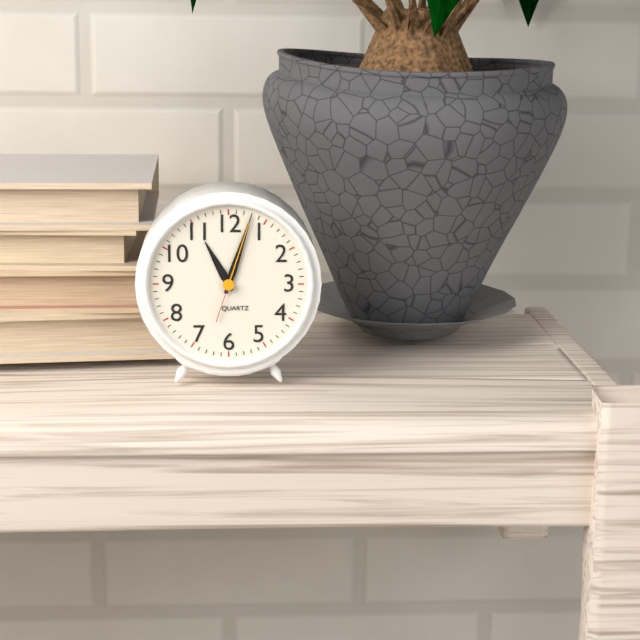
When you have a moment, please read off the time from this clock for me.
11:03:03
